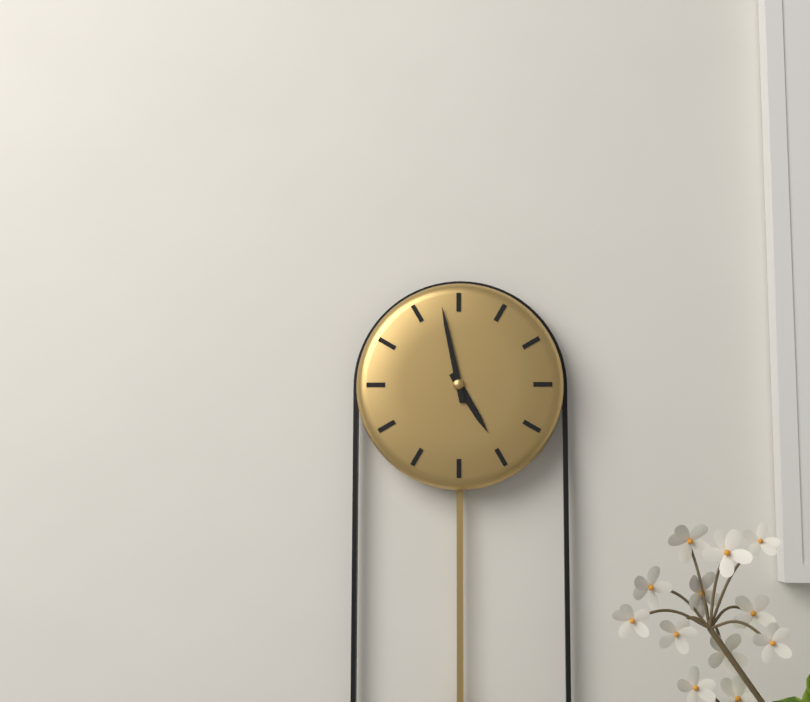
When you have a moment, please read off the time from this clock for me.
4:58
